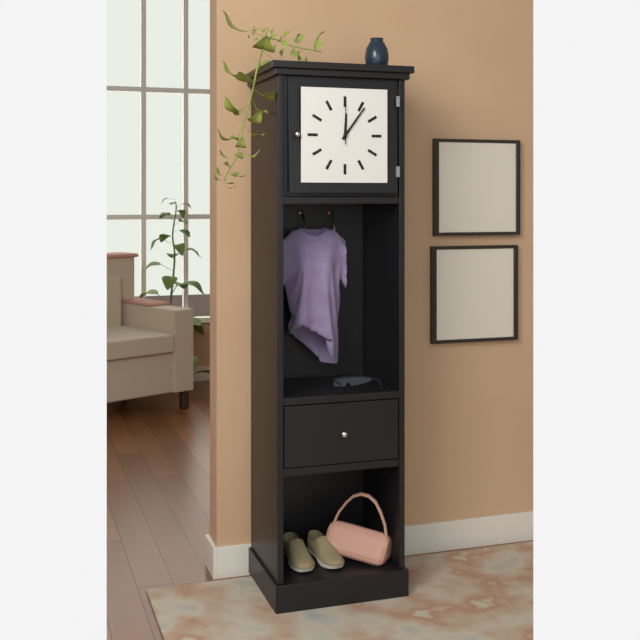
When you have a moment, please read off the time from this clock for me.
12:06
